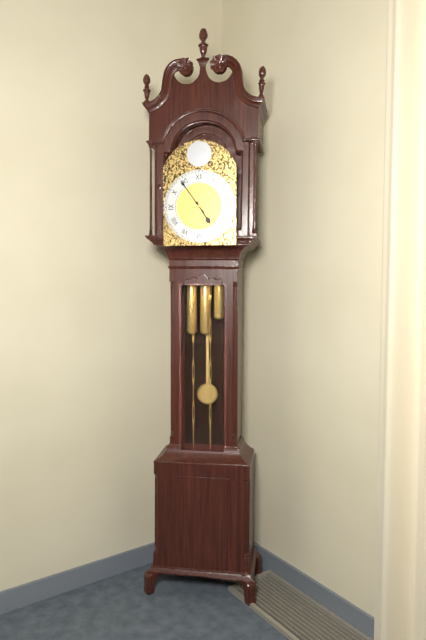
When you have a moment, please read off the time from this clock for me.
4:54
